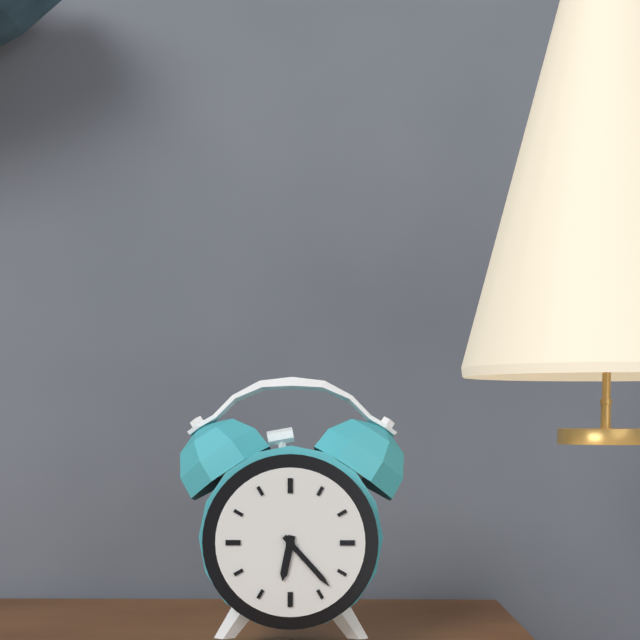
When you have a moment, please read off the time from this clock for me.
6:23
